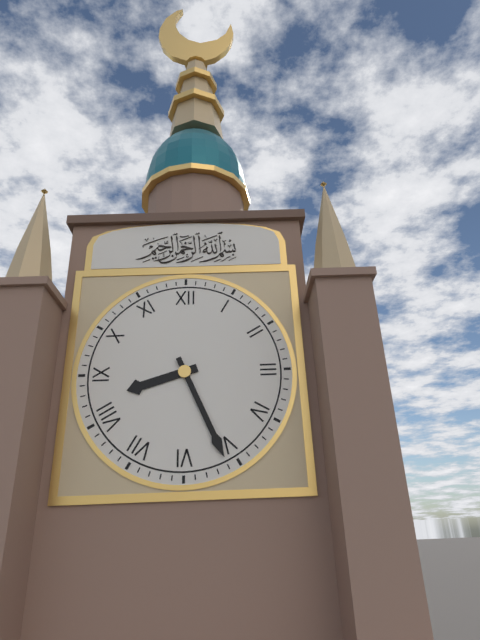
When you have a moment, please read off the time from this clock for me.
8:26
